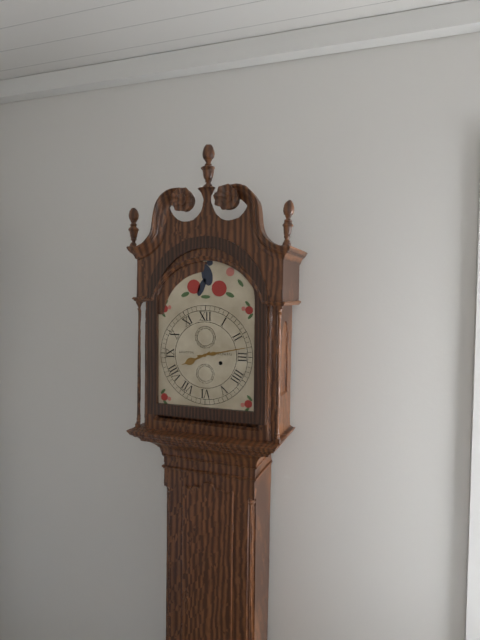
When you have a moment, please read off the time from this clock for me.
8:13
